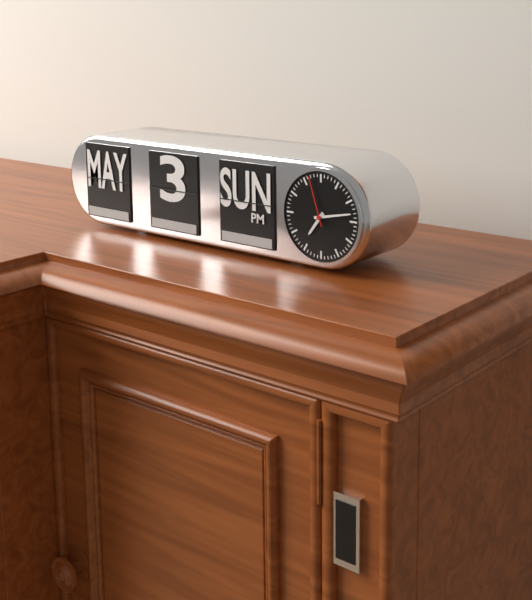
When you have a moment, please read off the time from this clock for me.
7:13:57
